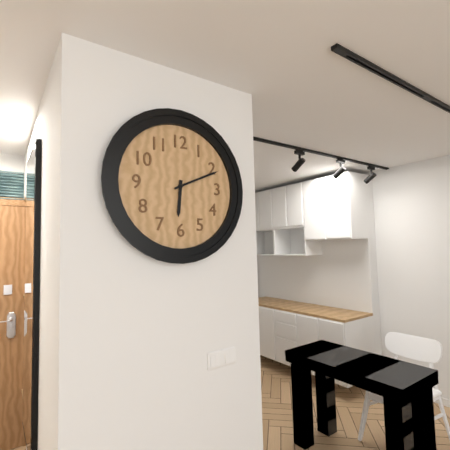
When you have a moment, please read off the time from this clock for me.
6:11
